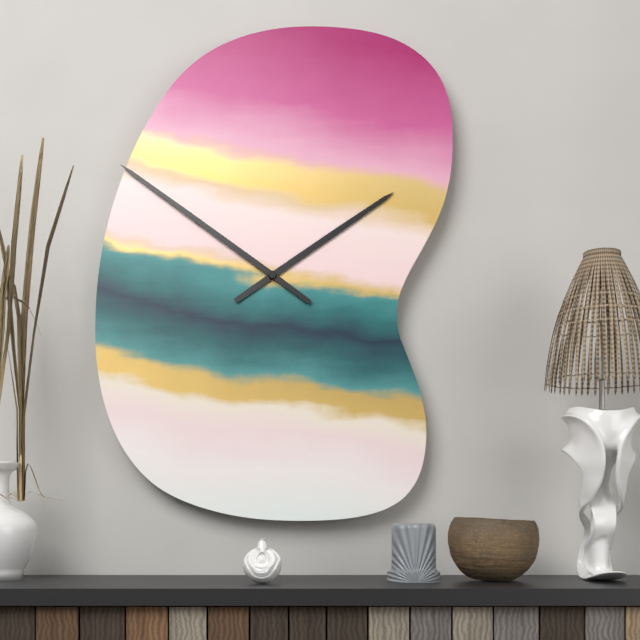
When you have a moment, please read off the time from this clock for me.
1:51
